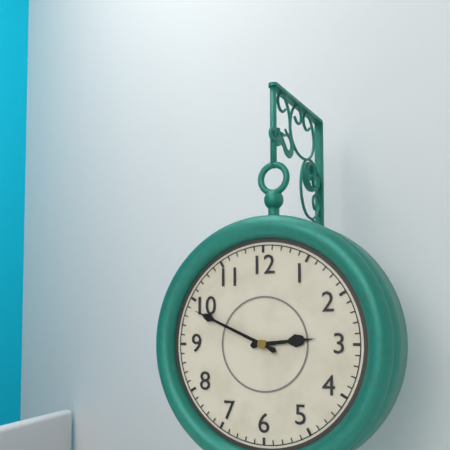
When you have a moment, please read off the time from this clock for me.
2:49
